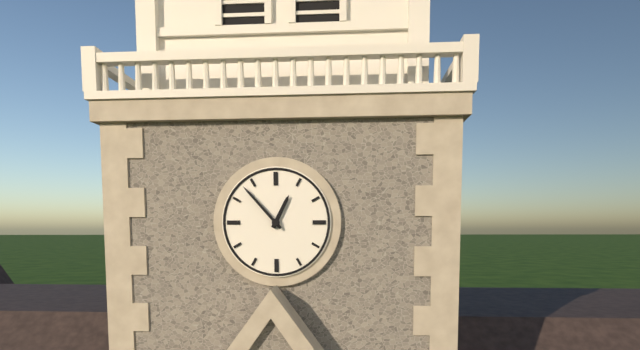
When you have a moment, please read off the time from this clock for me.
12:53
